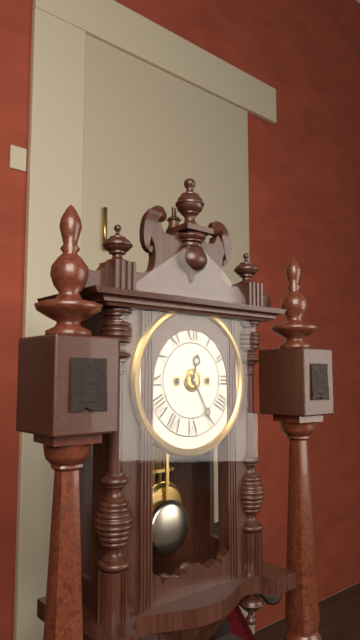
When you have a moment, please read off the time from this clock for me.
12:25
